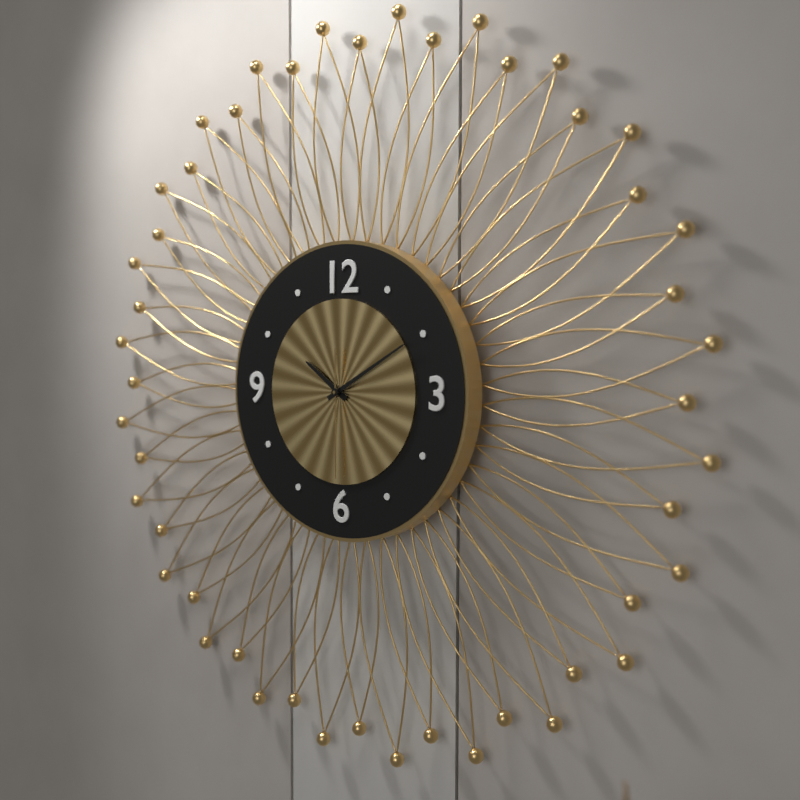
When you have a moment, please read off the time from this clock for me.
10:10:30
